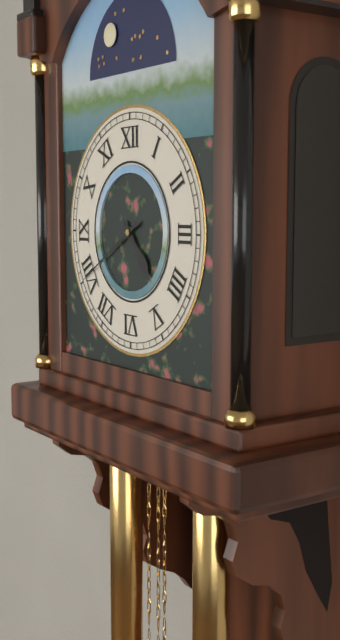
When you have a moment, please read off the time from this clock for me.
4:40
